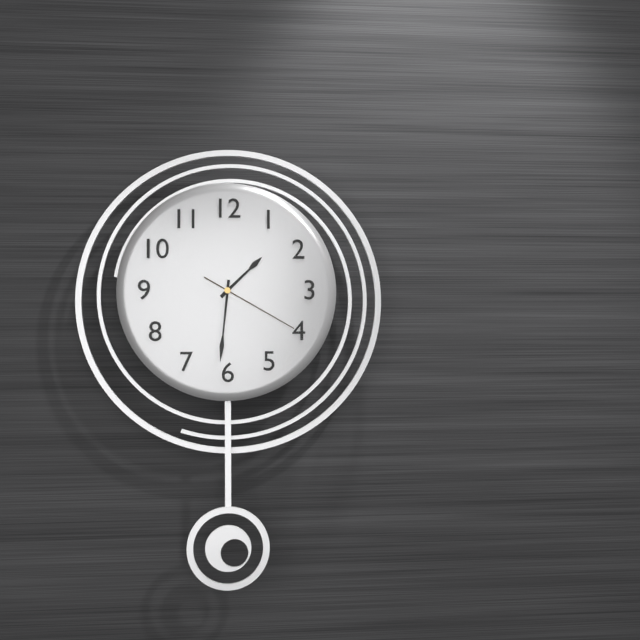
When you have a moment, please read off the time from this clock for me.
1:31:20
